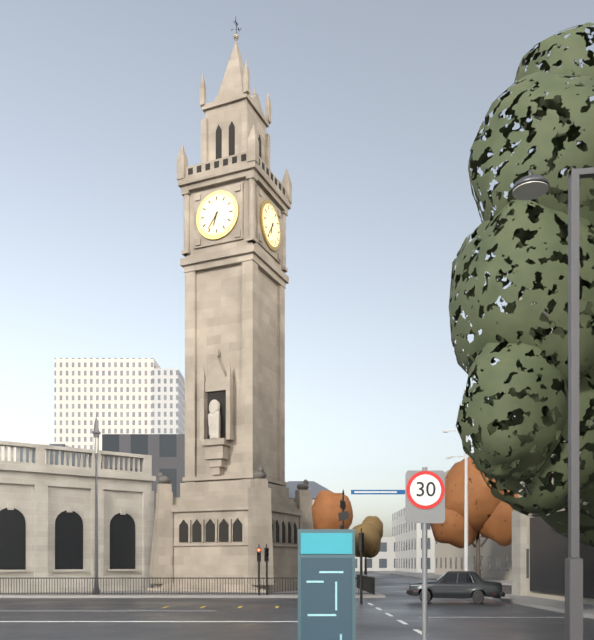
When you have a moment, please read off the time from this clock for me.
6:36
